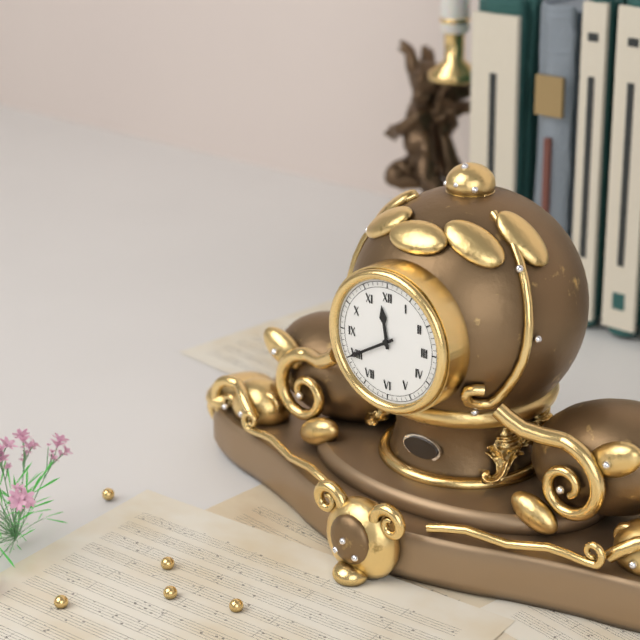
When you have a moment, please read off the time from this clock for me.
11:40
